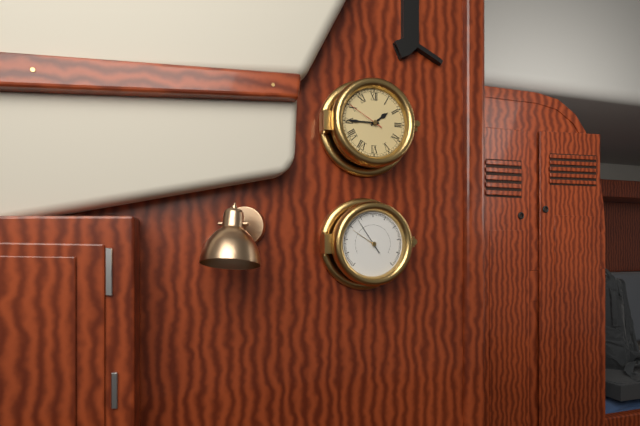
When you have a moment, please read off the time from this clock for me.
1:45
